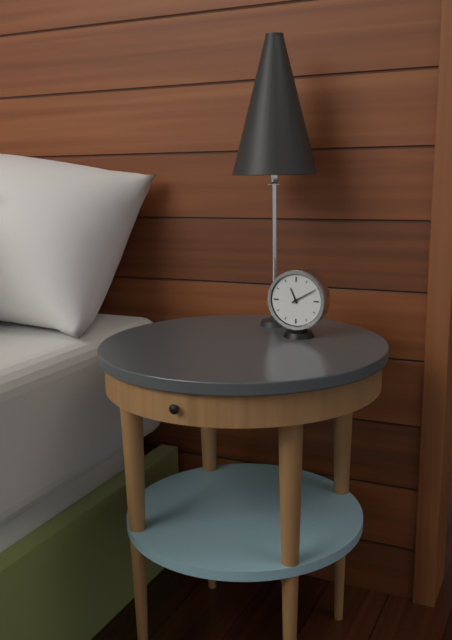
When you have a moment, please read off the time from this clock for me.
11:10
